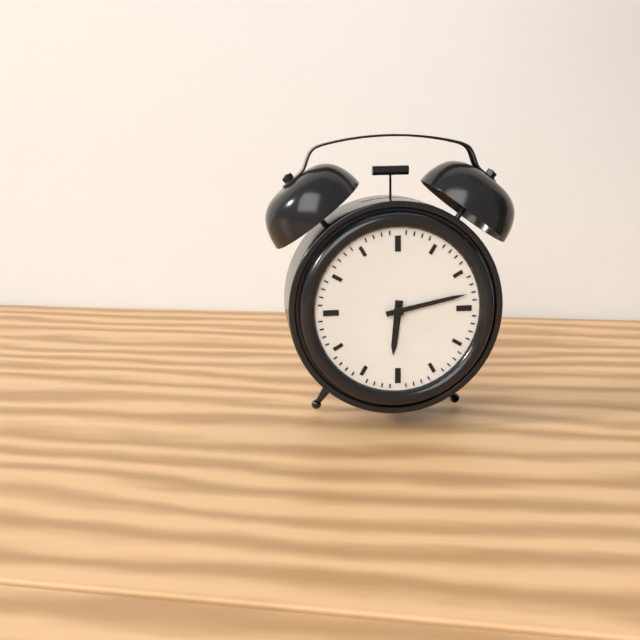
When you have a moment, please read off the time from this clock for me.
6:13
